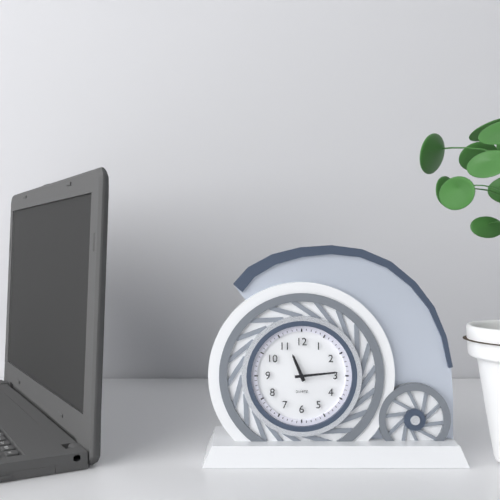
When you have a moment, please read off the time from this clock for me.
11:14
